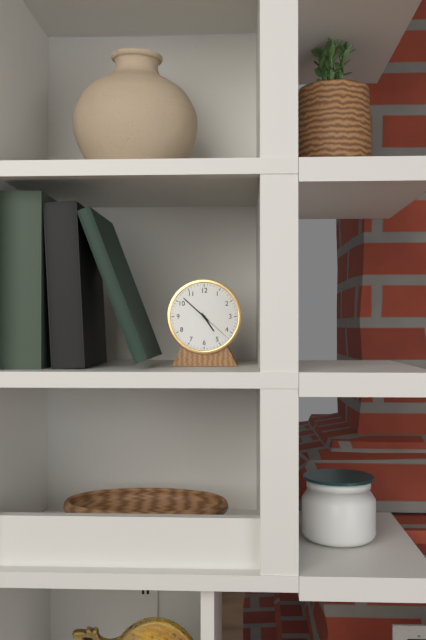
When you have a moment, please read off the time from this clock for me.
4:52
